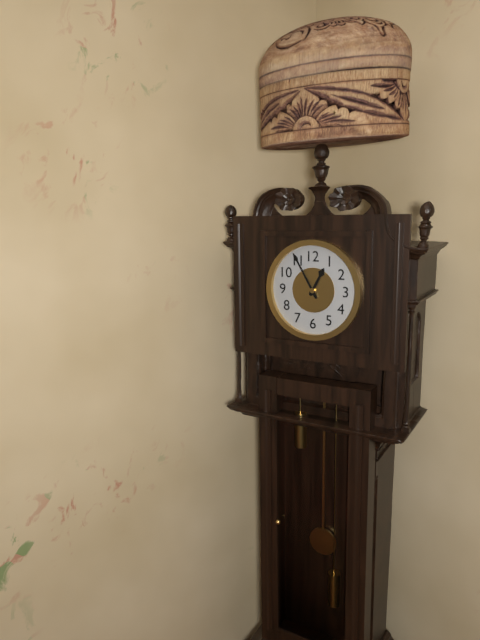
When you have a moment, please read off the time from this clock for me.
12:55
